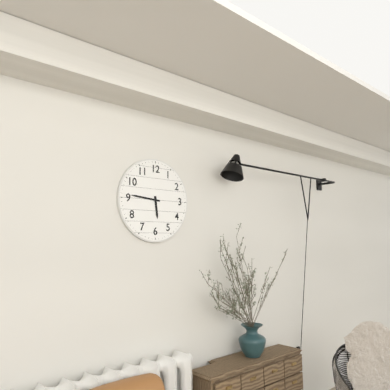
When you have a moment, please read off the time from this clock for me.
5:46
